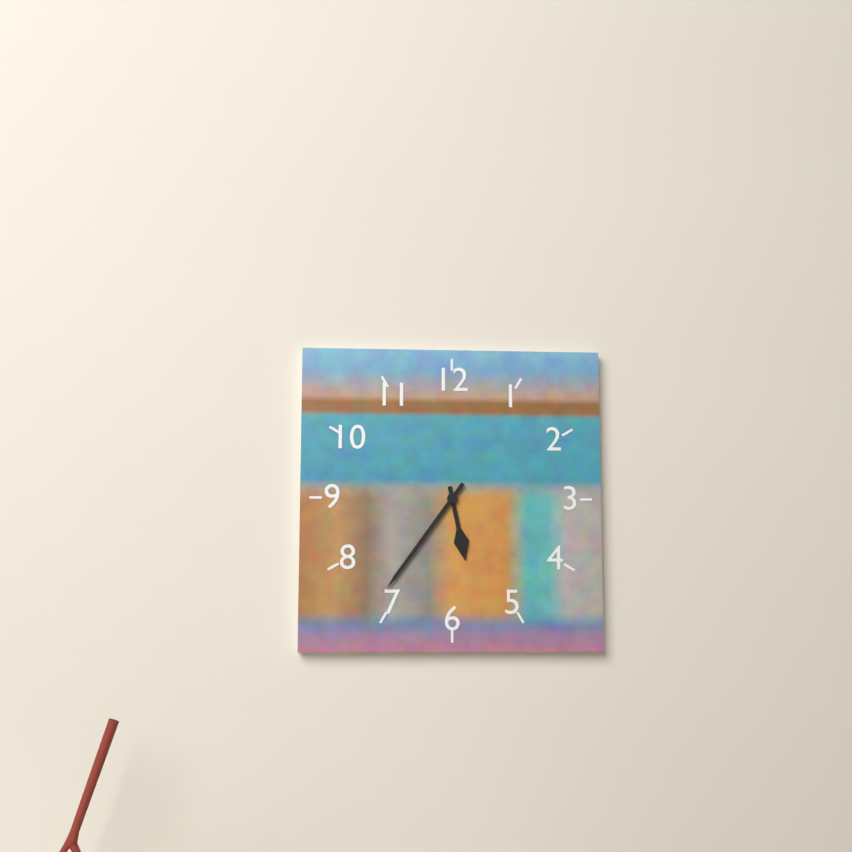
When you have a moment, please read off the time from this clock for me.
5:36
